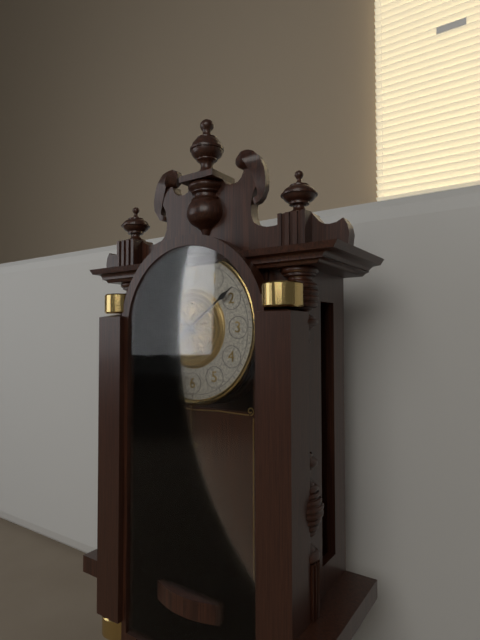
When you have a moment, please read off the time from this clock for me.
10:09
